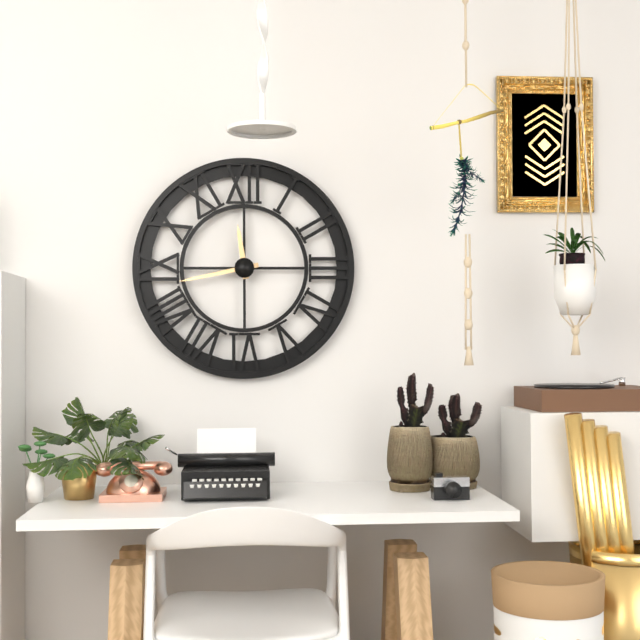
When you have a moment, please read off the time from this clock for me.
11:43
